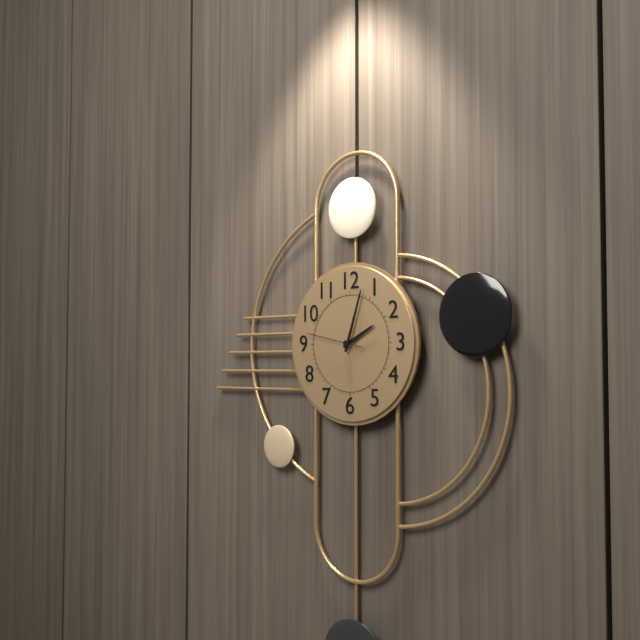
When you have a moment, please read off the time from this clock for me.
2:03:47
